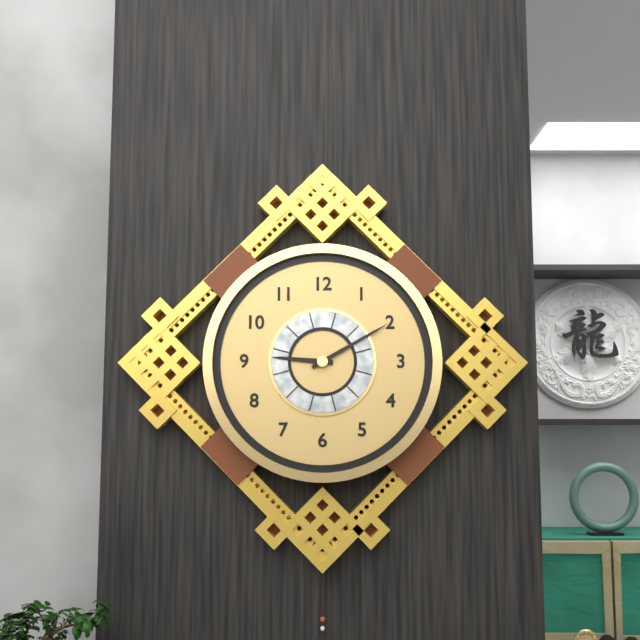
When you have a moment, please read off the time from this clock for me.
9:10
